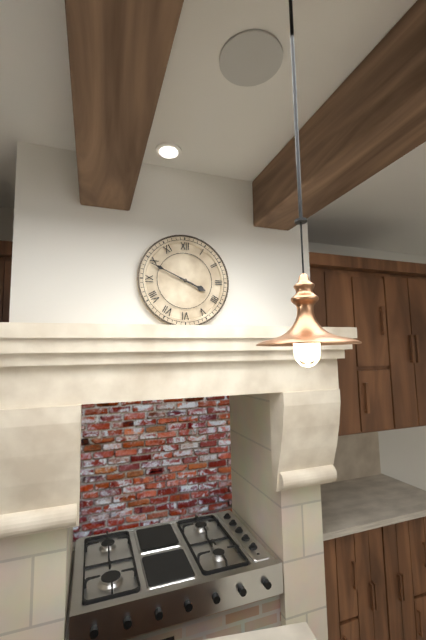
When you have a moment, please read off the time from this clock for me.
3:49
